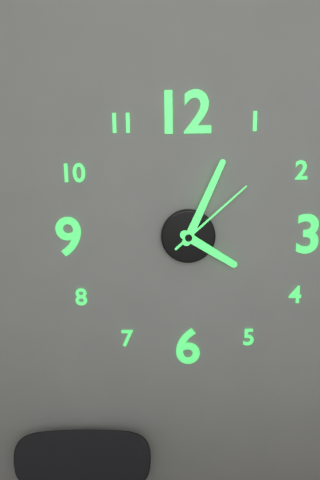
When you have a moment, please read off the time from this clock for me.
4:04:08
